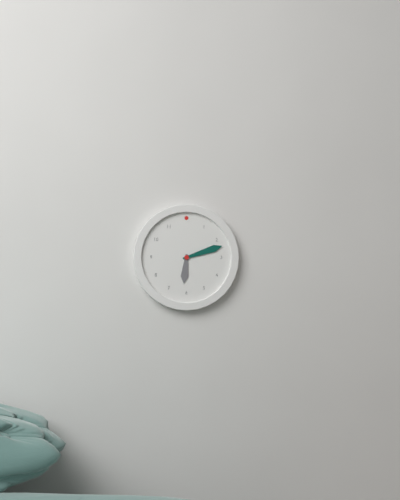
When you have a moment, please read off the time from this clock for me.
6:12
